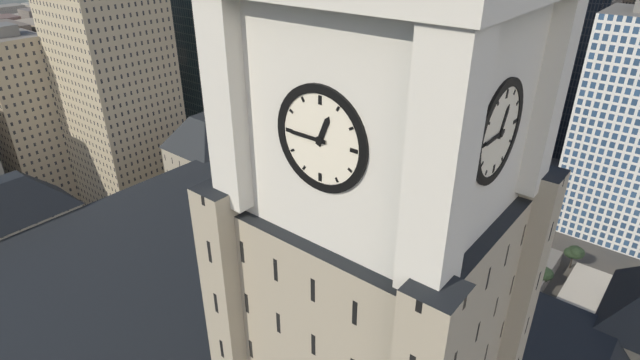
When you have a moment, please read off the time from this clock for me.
12:45
